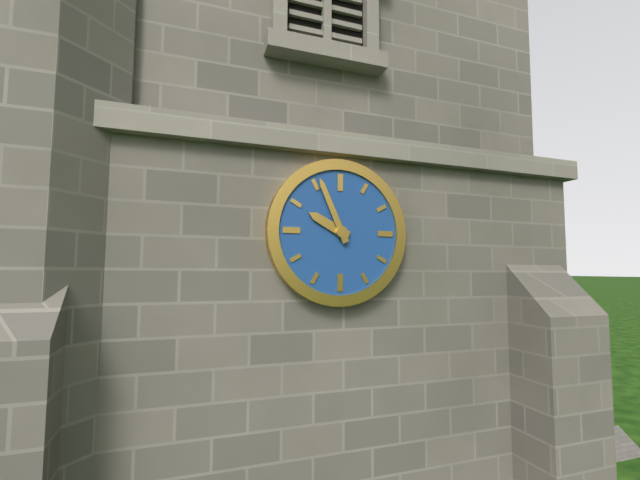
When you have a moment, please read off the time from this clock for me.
9:56
